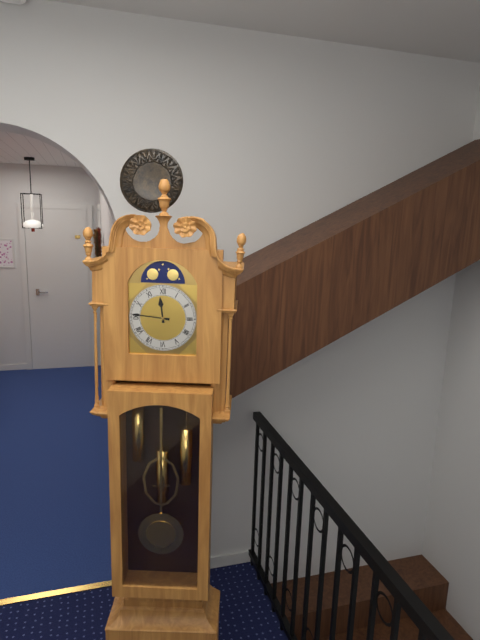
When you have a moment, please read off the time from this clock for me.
11:46
